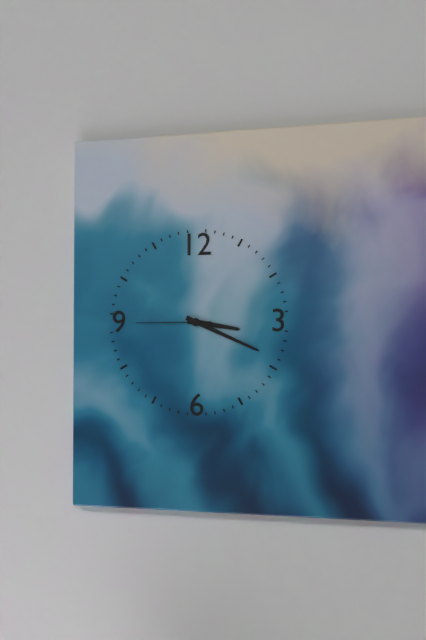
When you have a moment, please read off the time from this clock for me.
3:19:45
